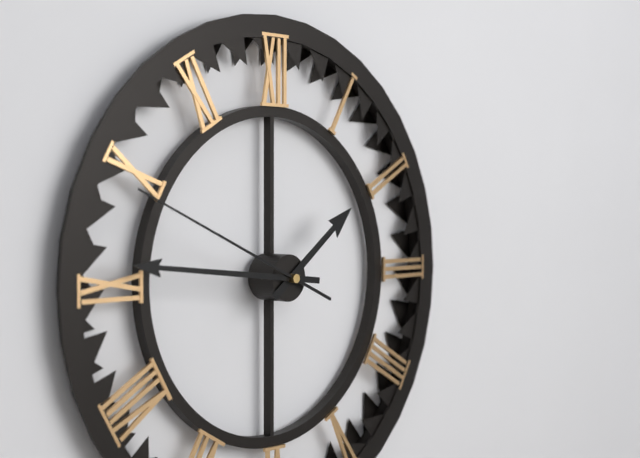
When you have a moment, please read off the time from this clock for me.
1:46:49
